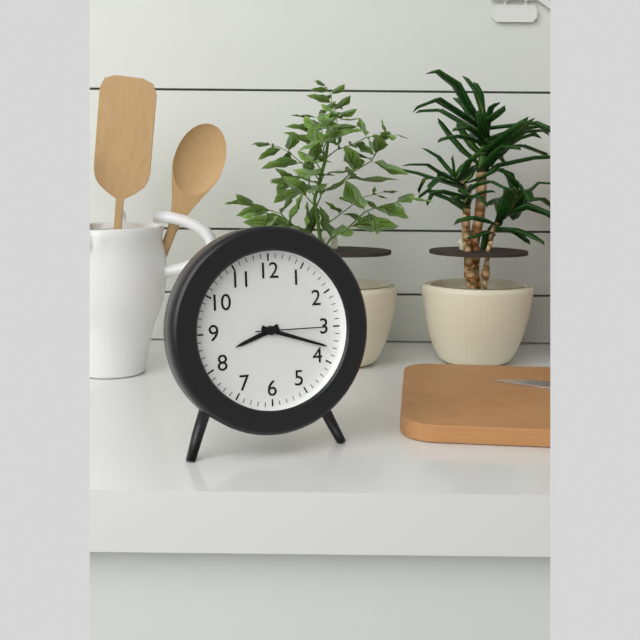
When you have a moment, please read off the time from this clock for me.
8:18:15
